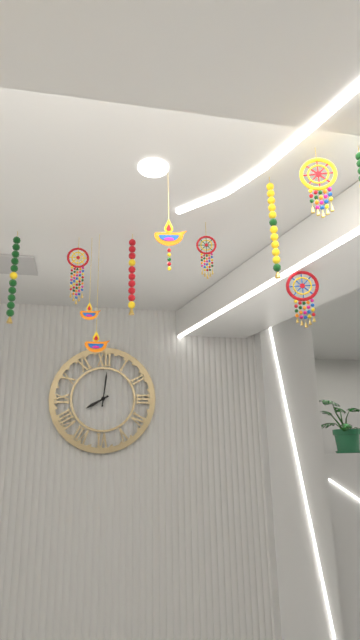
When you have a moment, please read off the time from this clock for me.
8:01
